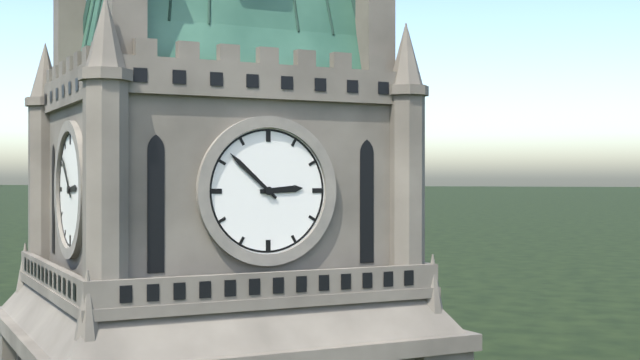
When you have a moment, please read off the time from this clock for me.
2:52
